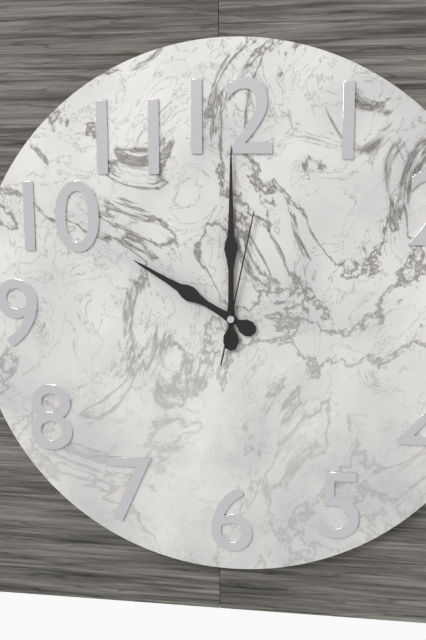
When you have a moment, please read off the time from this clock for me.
10:00:02
